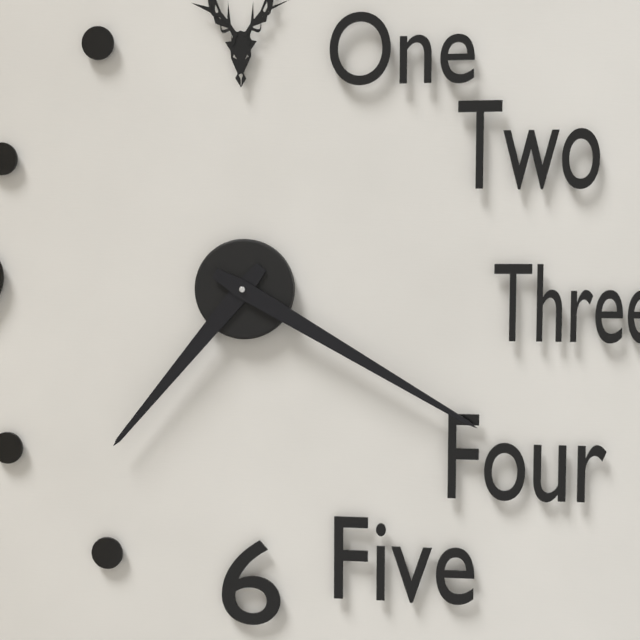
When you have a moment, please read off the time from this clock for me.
7:20
